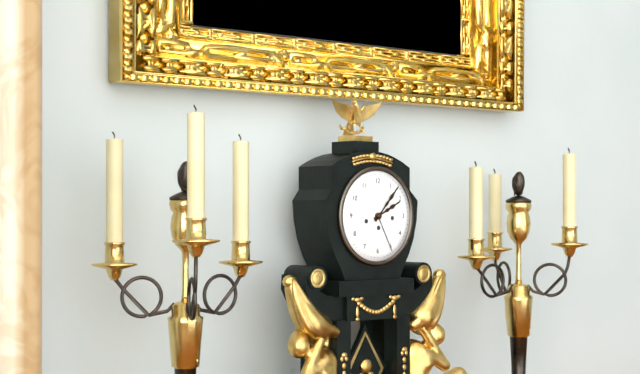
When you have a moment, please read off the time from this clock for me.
2:07
